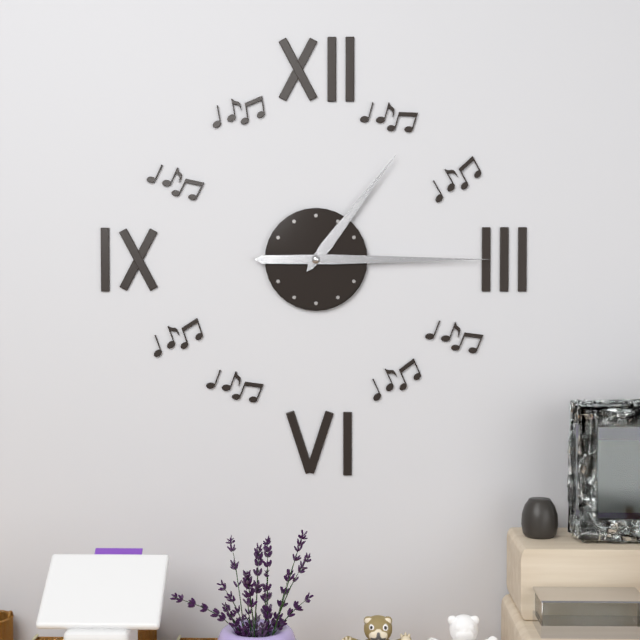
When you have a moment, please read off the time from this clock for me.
1:15
